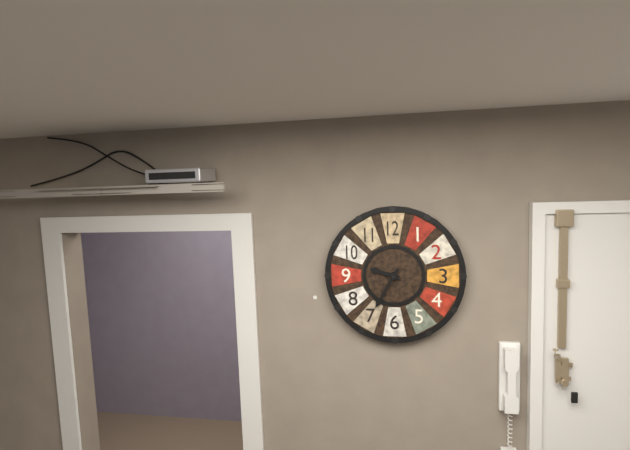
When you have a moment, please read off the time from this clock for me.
9:35
